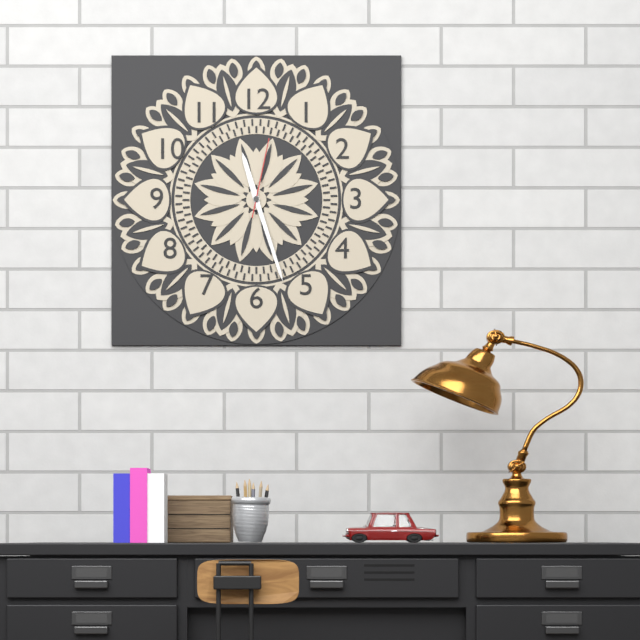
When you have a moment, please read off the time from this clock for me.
11:27:02
